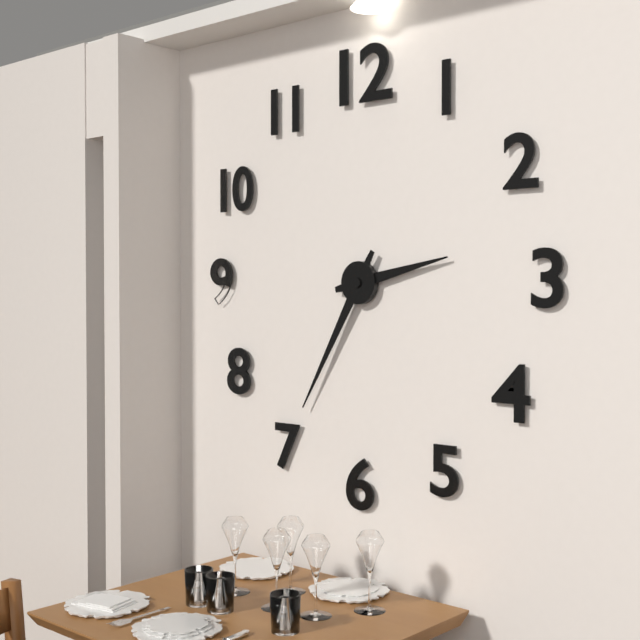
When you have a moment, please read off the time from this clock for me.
2:35
